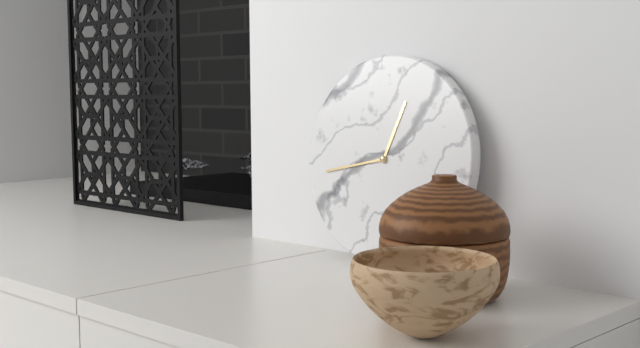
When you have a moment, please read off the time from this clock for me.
12:43
